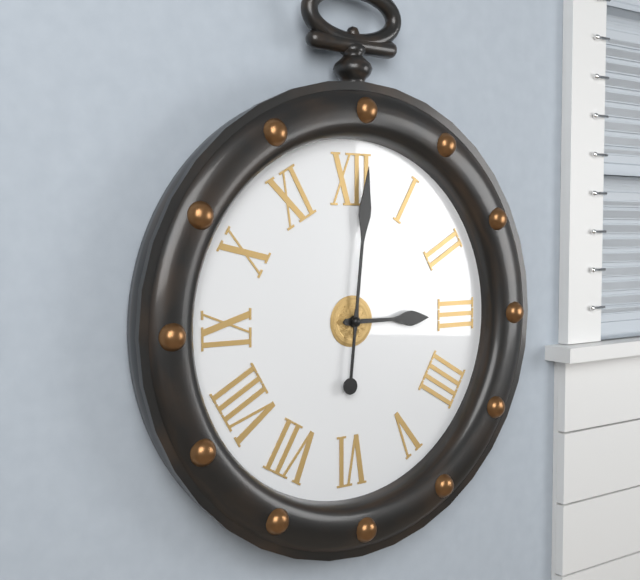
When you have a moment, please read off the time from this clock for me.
3:01
